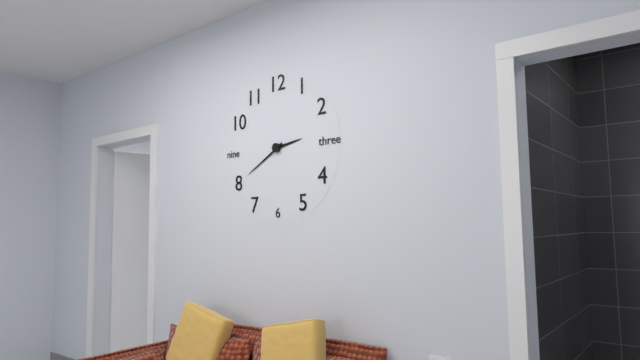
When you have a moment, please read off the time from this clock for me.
2:40
